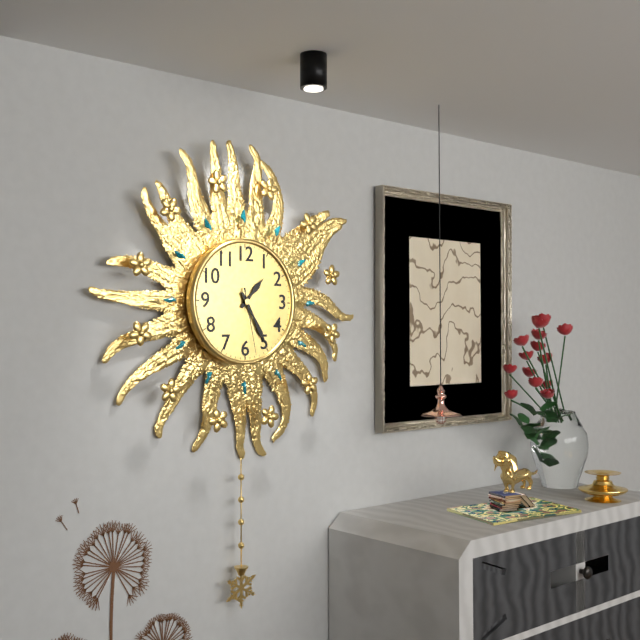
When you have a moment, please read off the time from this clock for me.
1:25:28
